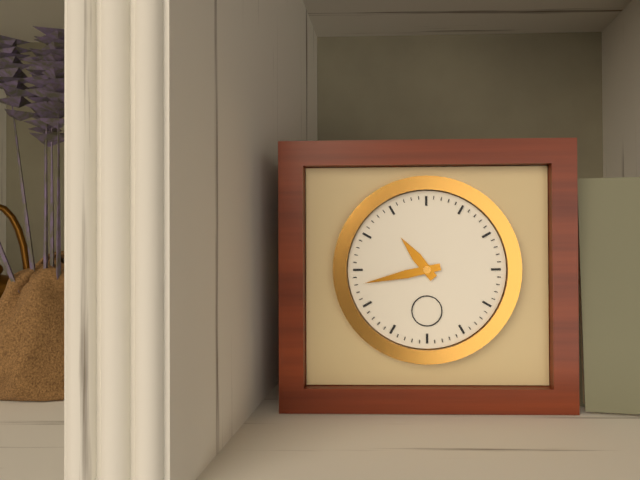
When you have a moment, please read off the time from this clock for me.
10:43
